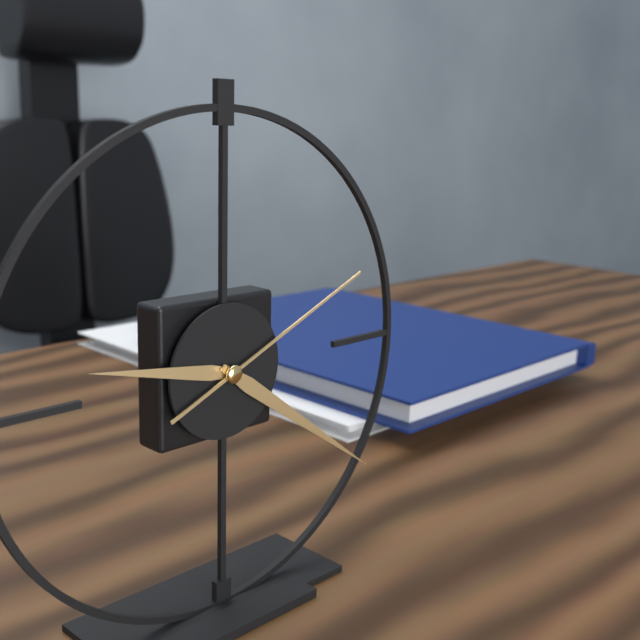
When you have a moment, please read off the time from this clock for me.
9:21:11
